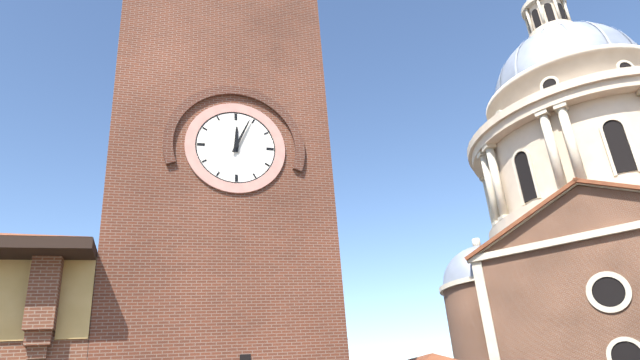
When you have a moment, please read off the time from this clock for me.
12:04
